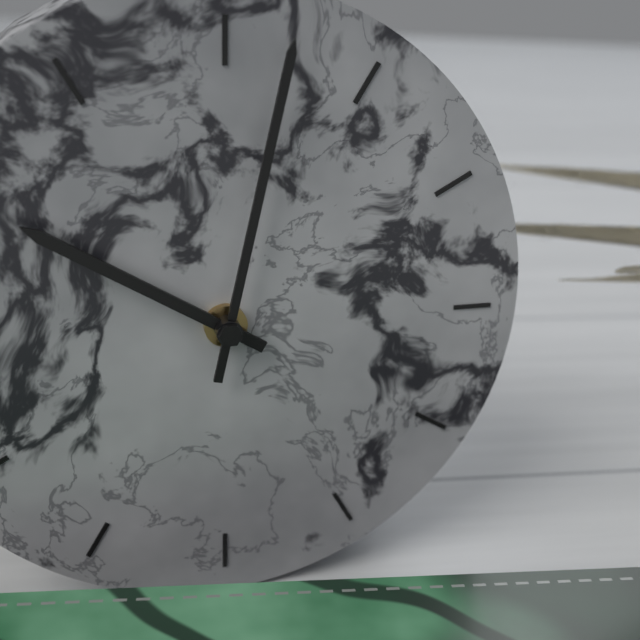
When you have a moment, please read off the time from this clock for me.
10:02
